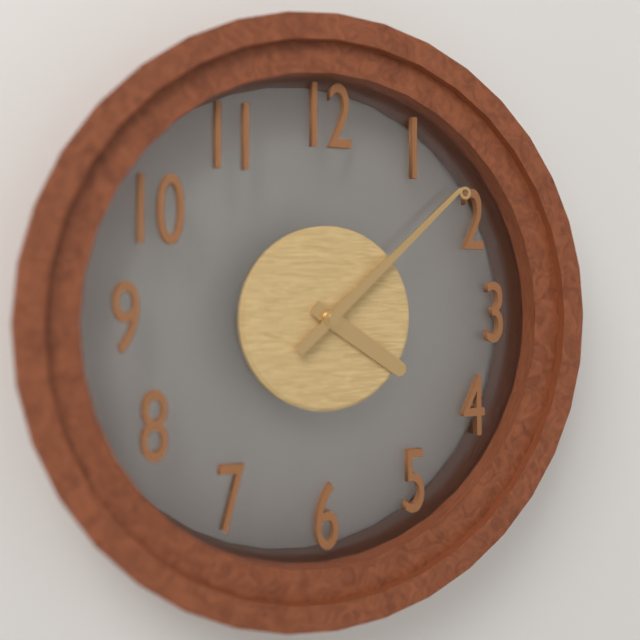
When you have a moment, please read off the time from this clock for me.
4:08
